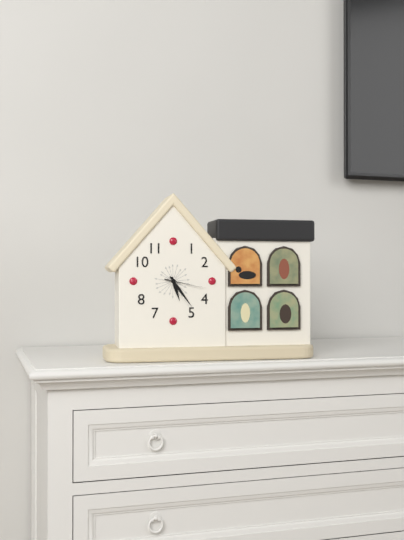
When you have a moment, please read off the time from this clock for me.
5:24
